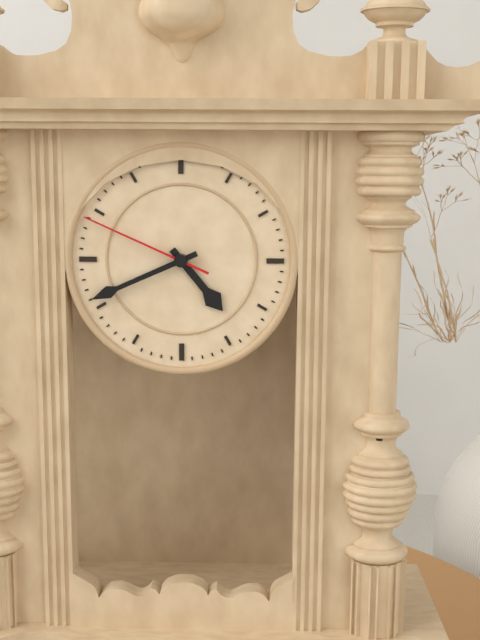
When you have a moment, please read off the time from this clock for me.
4:41:49
